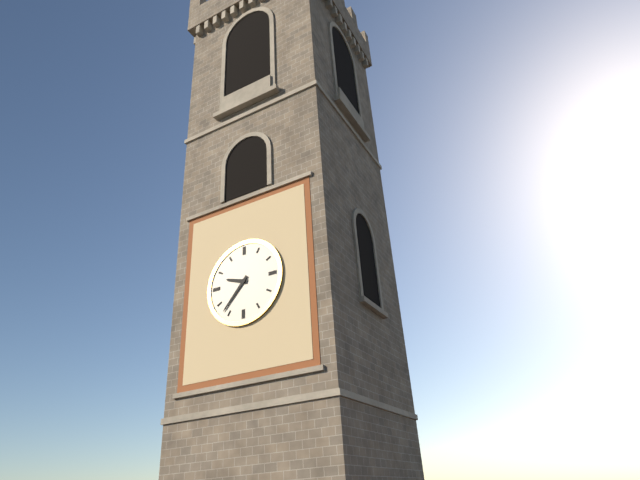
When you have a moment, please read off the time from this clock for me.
9:37
